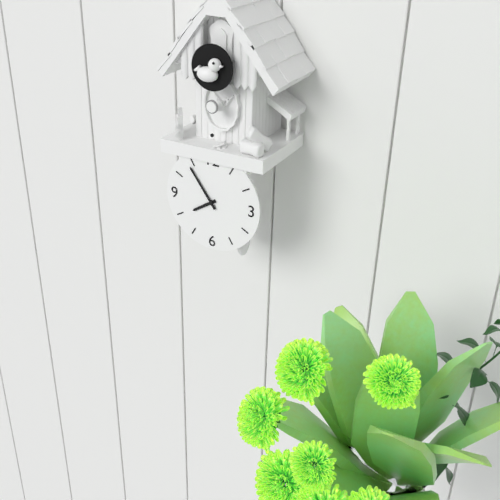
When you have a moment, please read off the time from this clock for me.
7:54
